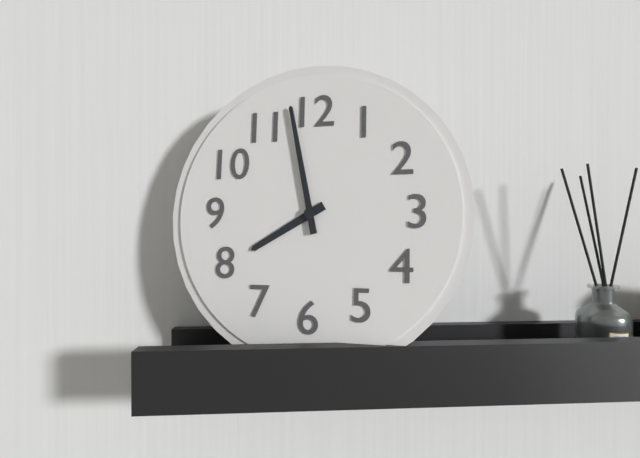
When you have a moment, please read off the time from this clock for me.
7:58
